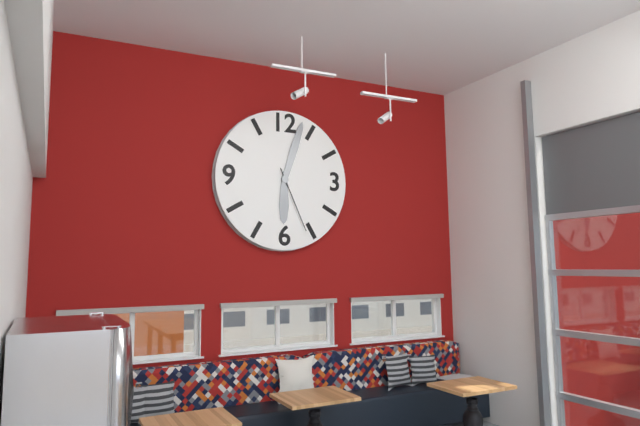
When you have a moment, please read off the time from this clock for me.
6:03:26
